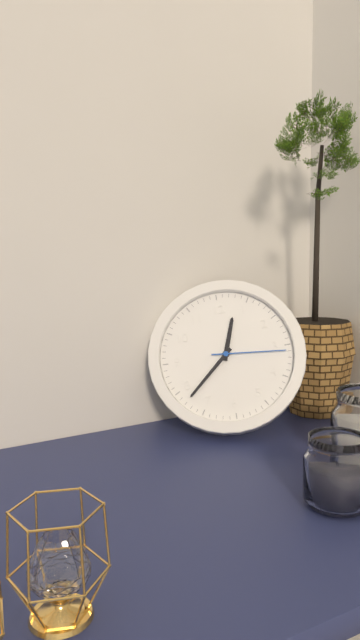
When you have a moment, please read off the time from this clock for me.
12:38:16
